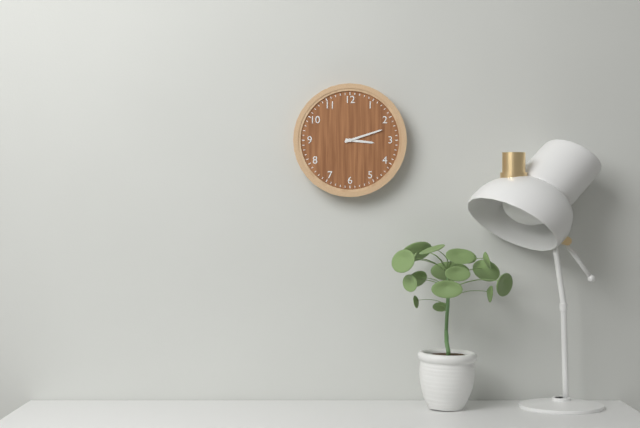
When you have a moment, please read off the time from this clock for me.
3:12
